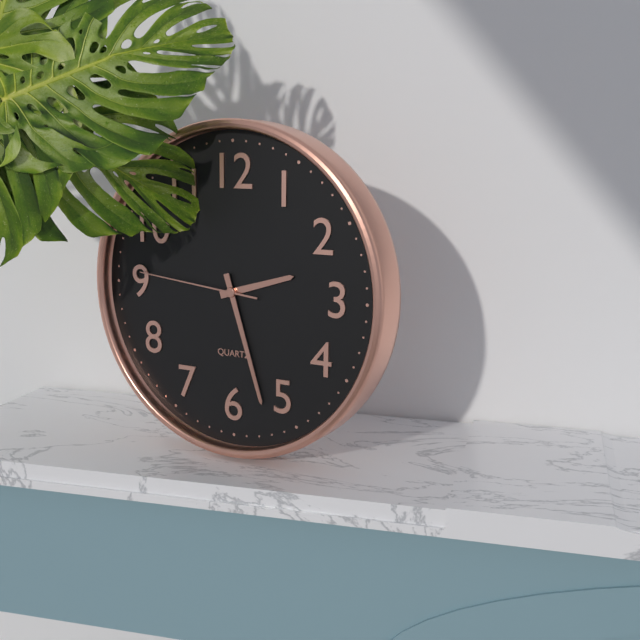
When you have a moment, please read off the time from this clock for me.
2:27:46
